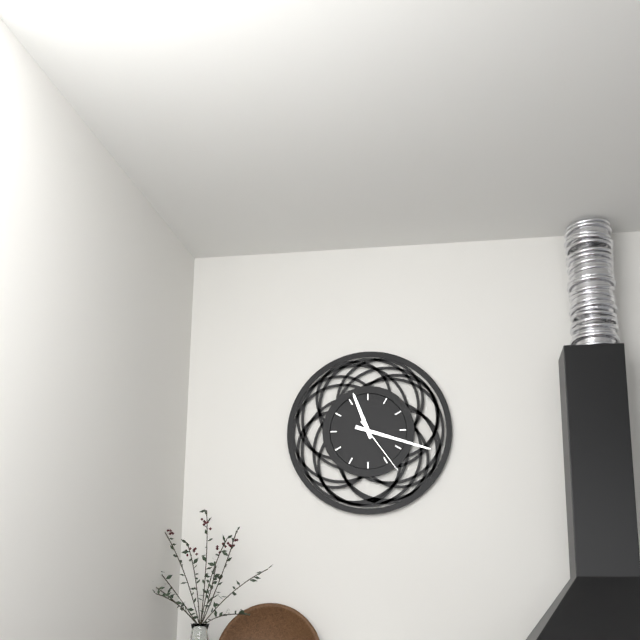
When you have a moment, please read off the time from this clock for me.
11:18:24
